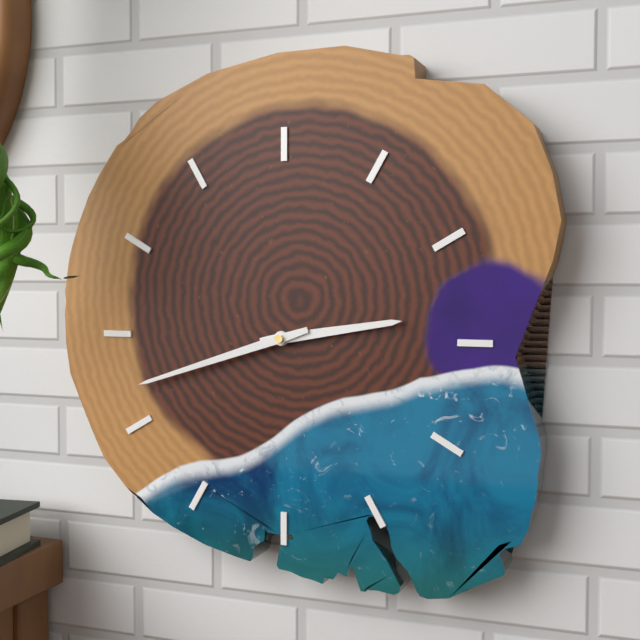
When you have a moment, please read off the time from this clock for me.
2:42
